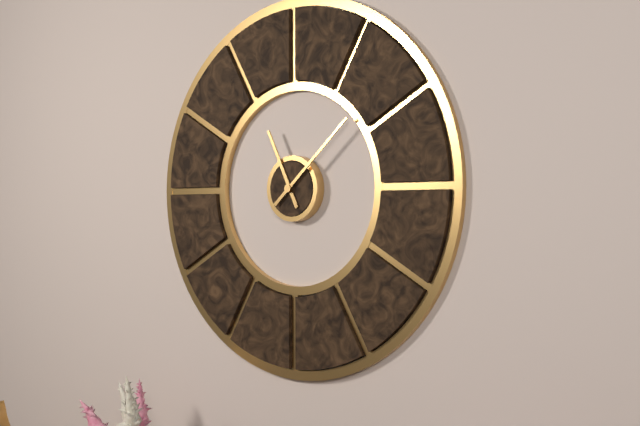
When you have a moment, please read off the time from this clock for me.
11:08
